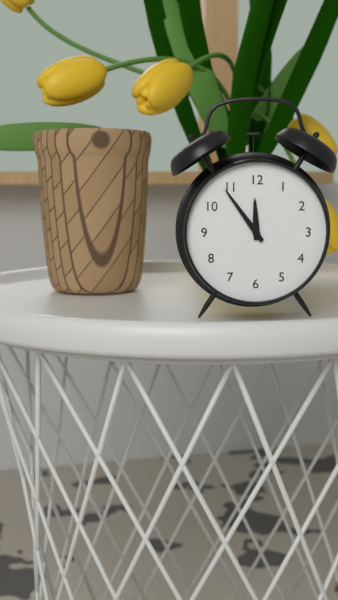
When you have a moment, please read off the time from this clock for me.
11:54
